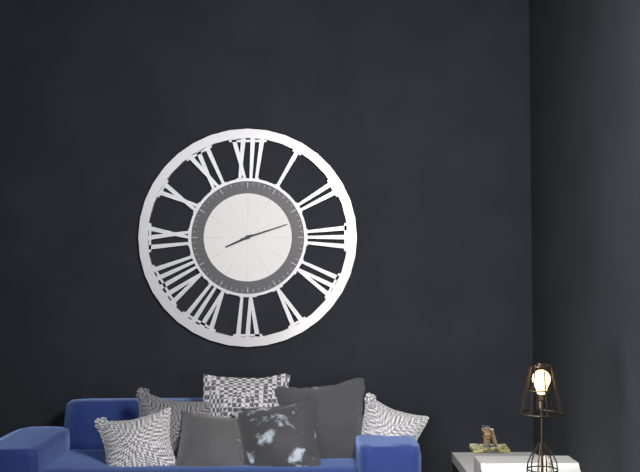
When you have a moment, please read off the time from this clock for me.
8:12
